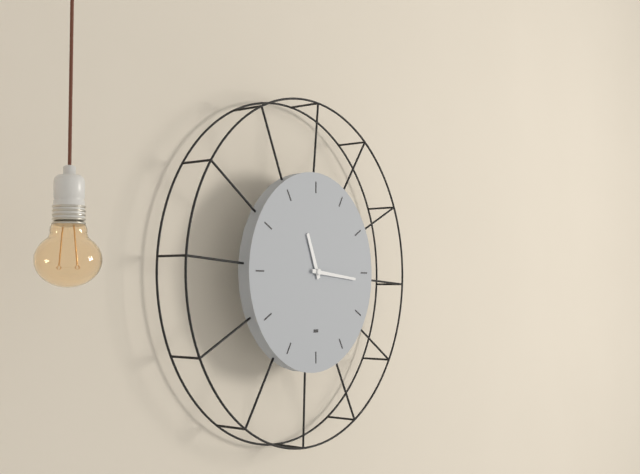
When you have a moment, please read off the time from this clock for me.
11:16
